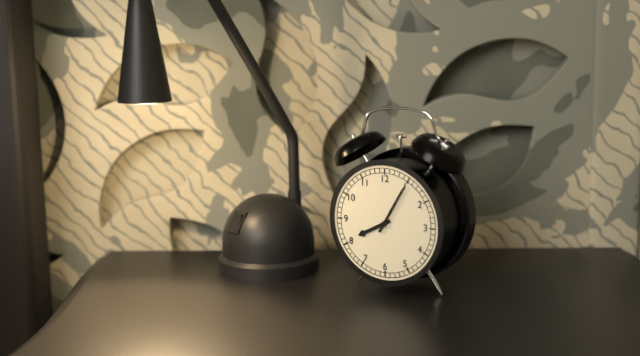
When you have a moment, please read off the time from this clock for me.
8:05
